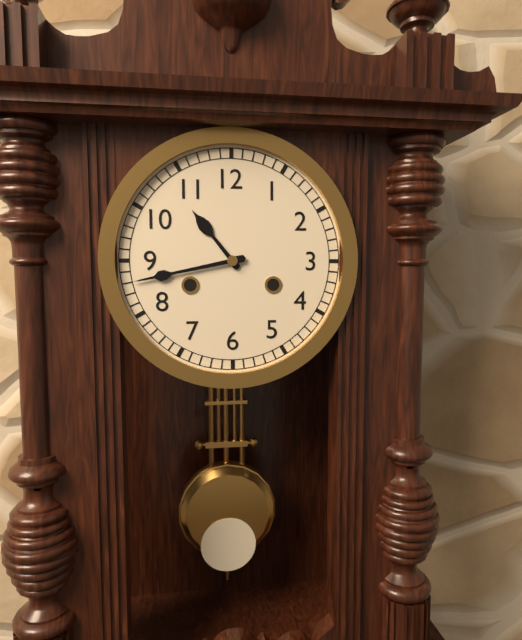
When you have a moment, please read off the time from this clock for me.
10:43
